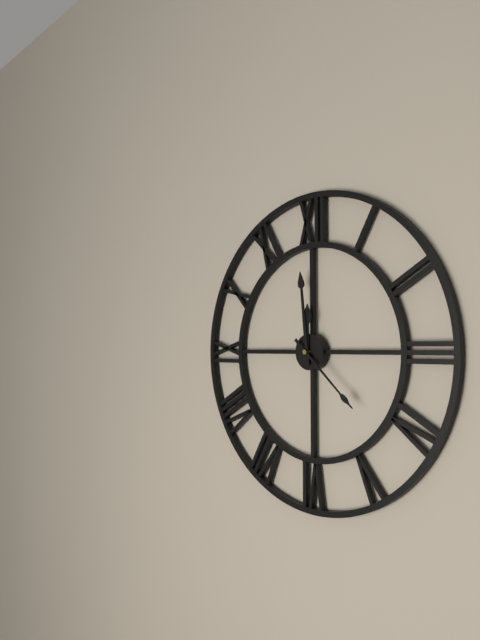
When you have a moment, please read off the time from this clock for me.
11:59:22
